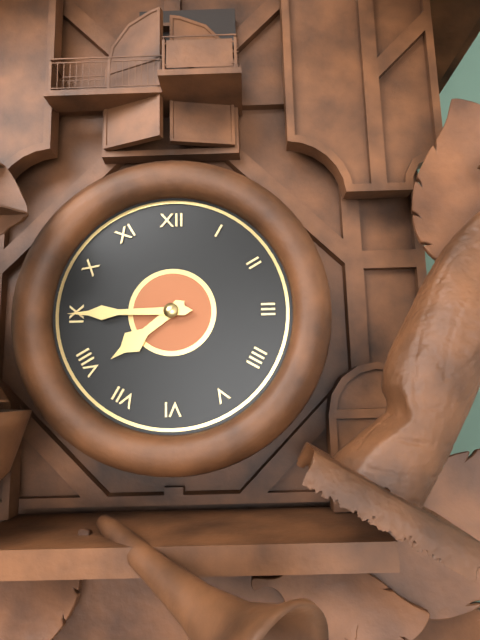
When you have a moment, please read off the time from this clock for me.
7:45
